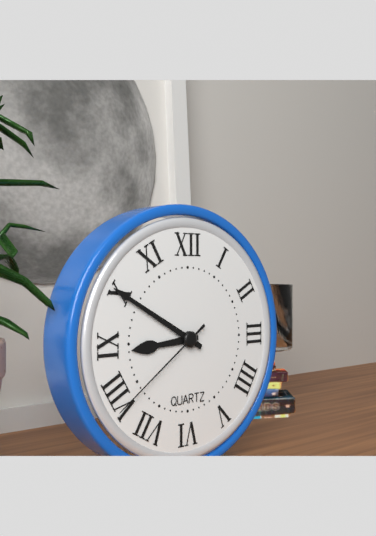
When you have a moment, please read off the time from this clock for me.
8:50:39
